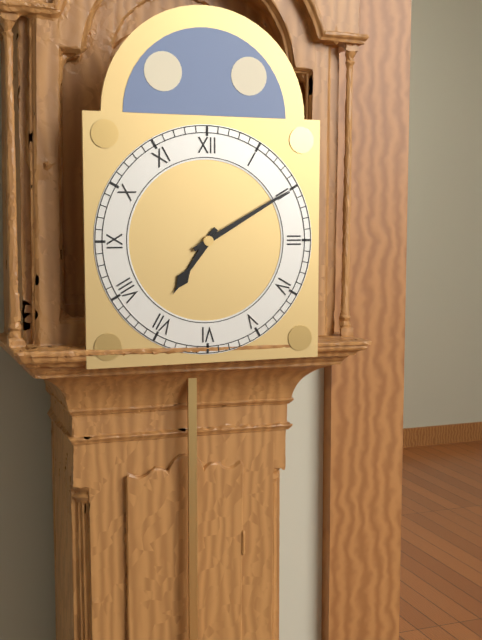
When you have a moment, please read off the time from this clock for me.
7:10
